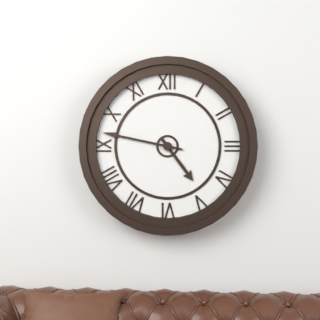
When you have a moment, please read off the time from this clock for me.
4:47
